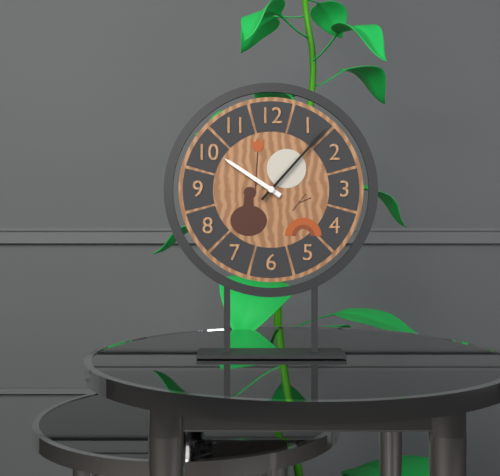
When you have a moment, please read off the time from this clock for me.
10:07
